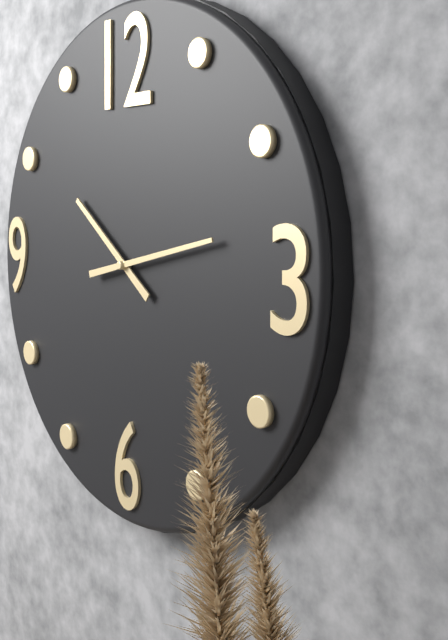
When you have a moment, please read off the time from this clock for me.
10:13
